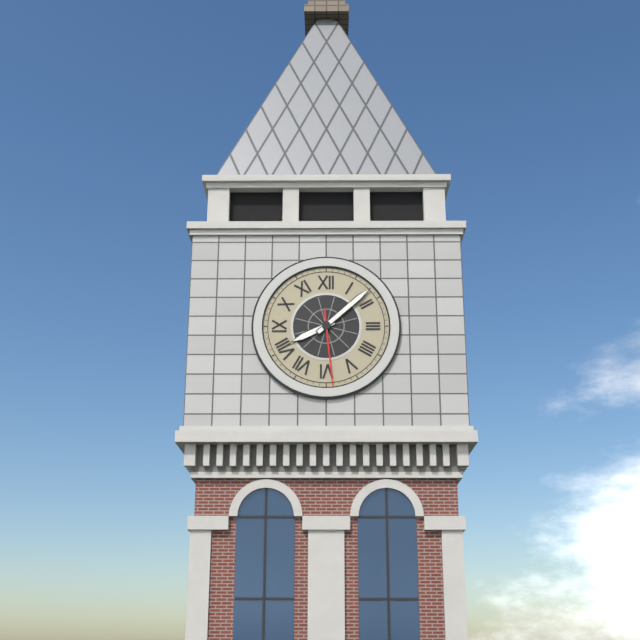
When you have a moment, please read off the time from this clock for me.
8:08:29
